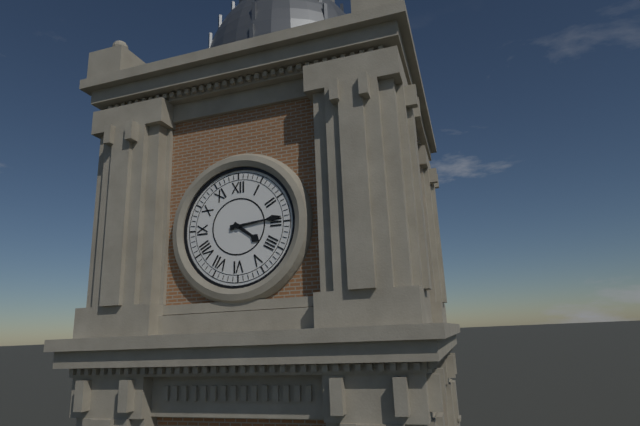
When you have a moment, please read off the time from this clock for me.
4:14
